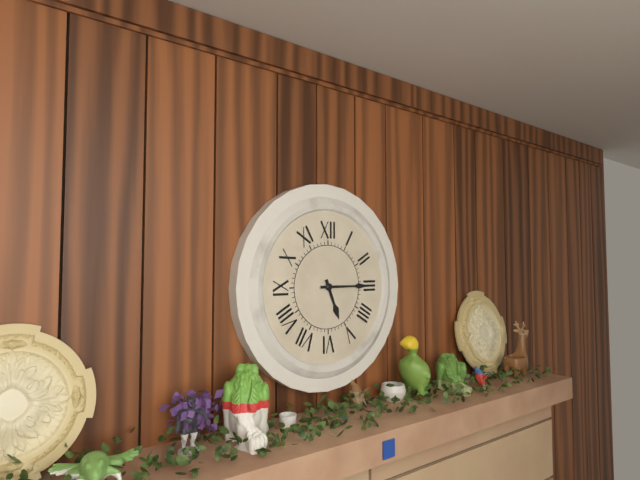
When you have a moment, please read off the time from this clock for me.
5:15
